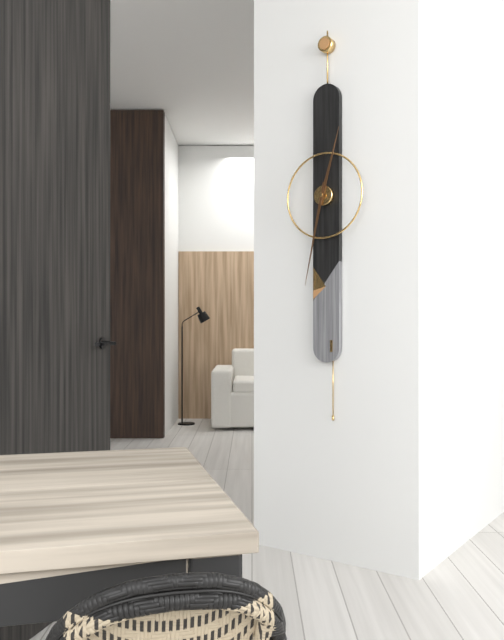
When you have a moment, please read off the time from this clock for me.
12:32
